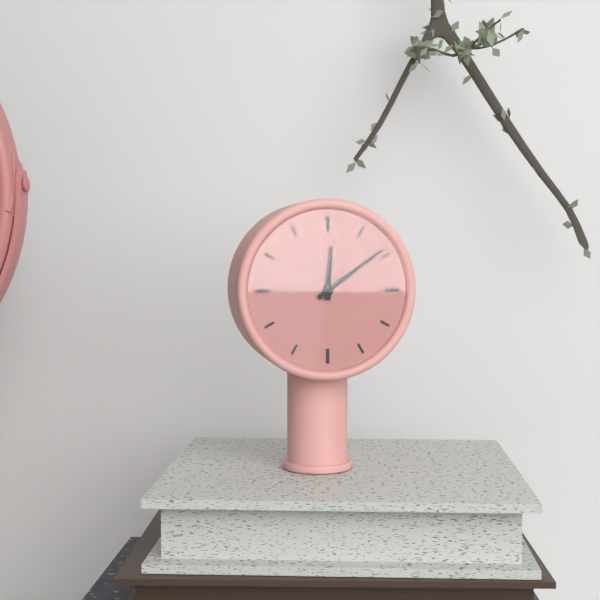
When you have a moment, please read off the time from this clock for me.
12:09
